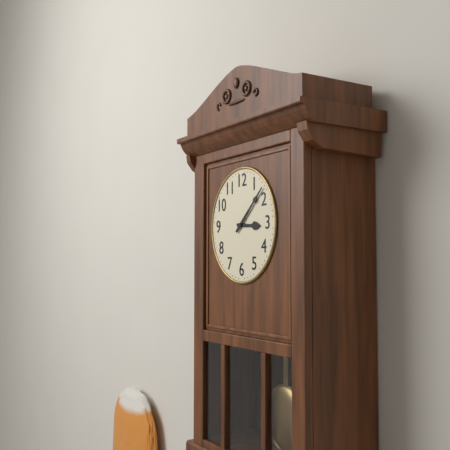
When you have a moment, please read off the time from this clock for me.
3:08
